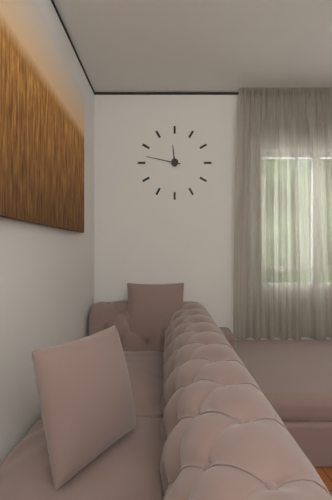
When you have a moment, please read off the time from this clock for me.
11:47
